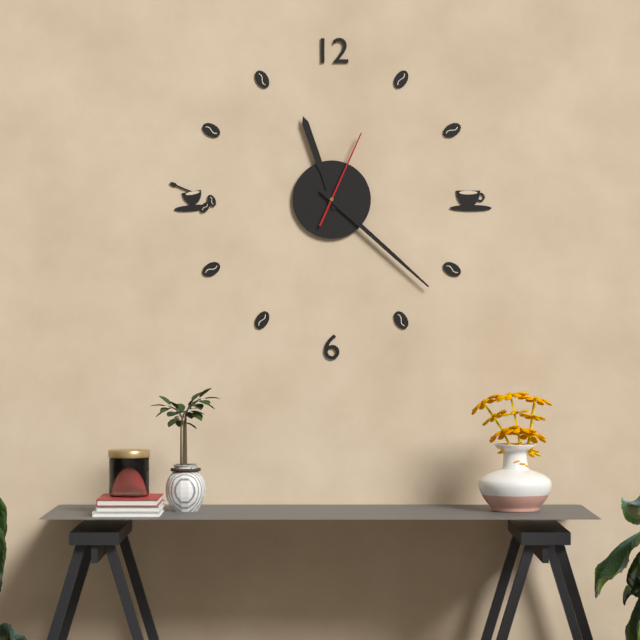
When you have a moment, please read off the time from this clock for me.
11:22:04
